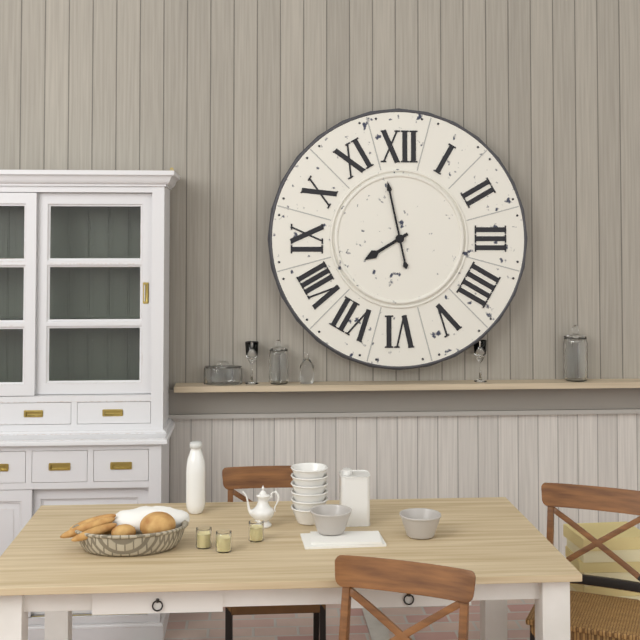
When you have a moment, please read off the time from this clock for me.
7:58
